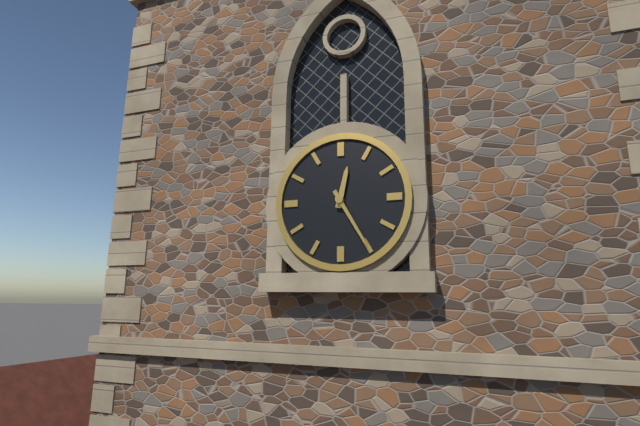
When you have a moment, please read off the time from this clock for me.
12:25
